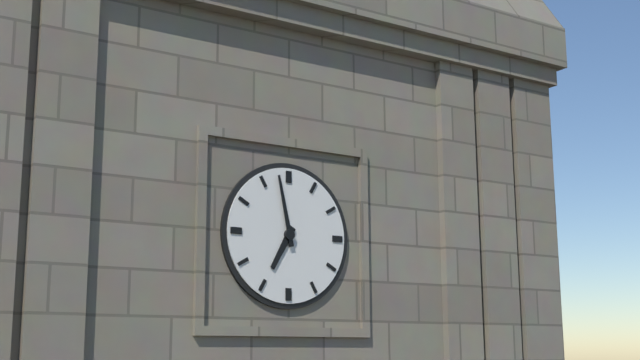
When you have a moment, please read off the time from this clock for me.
6:58
